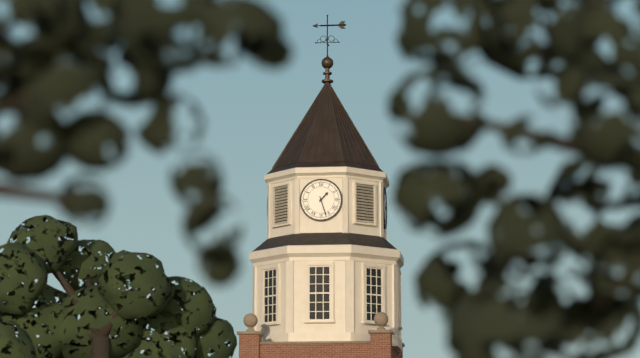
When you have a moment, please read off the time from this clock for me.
1:27
